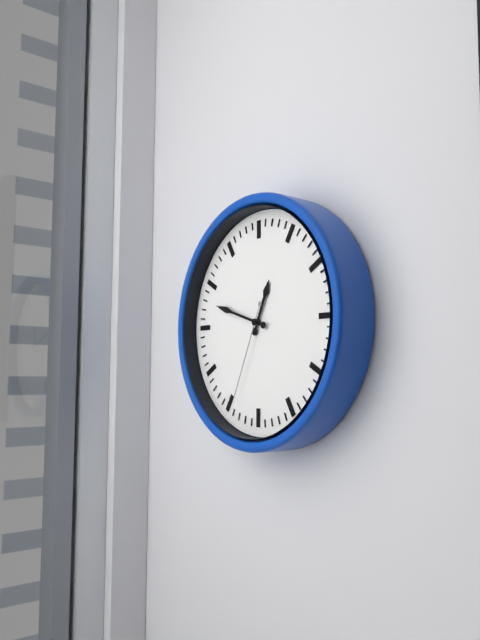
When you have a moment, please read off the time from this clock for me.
12:48:34
